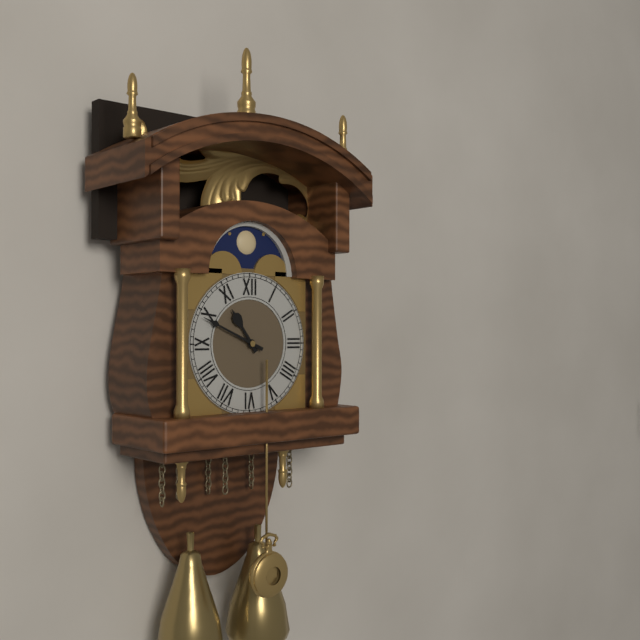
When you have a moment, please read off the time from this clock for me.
10:49
